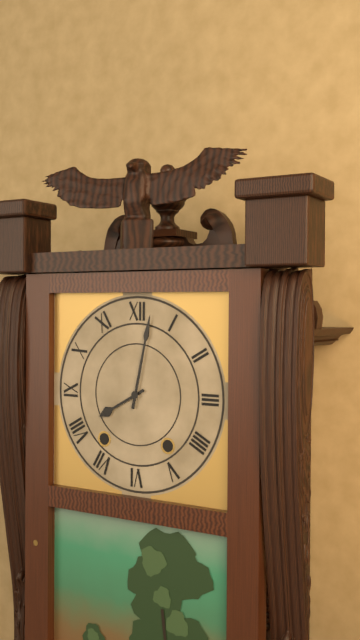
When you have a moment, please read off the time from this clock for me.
8:02
